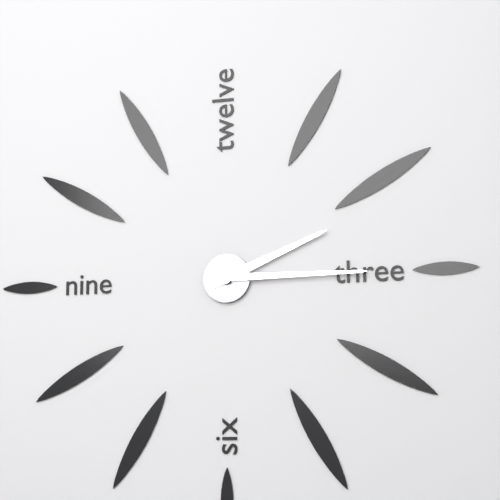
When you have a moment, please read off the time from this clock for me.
2:15
